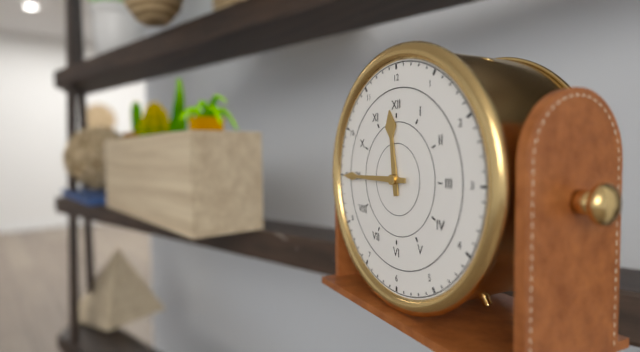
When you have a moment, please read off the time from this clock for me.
11:45
